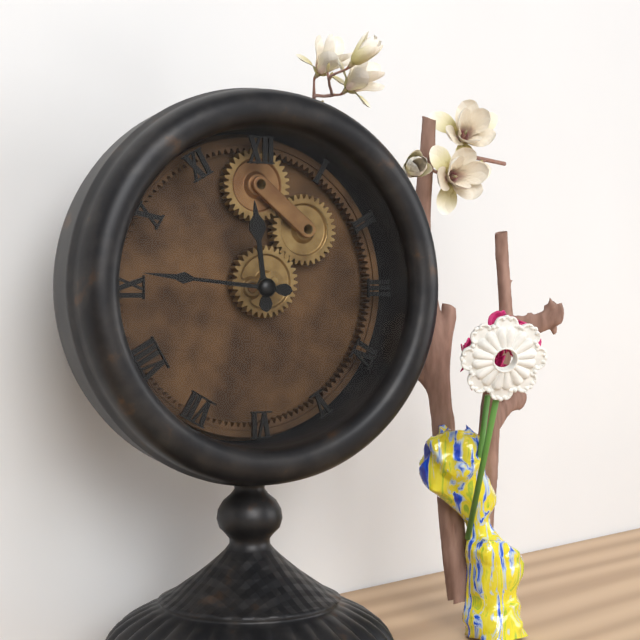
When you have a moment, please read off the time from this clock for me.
11:46
